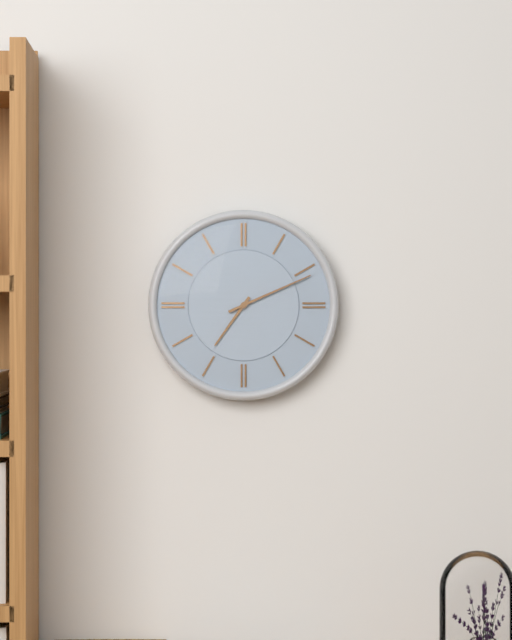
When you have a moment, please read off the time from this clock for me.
7:11
